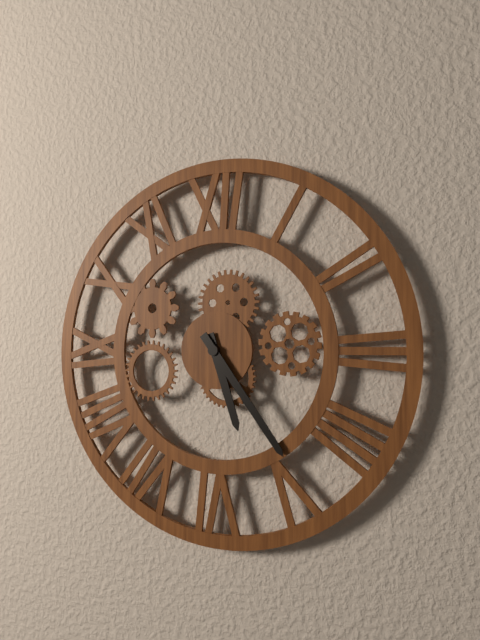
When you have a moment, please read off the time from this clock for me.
5:24
